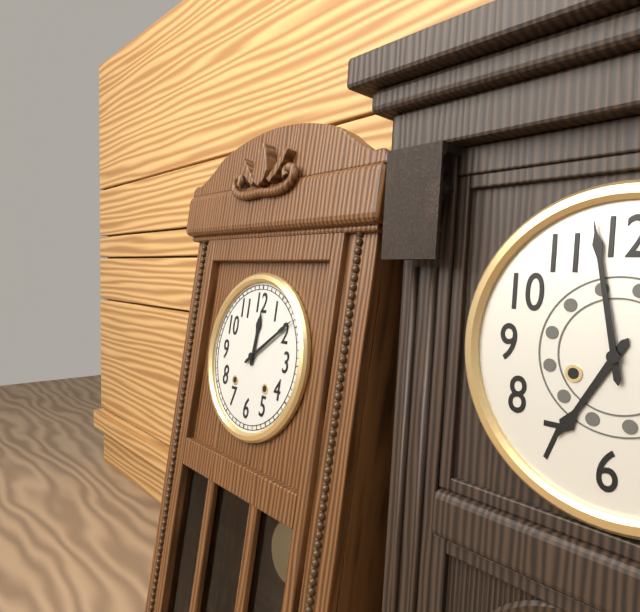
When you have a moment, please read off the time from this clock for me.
12:09
